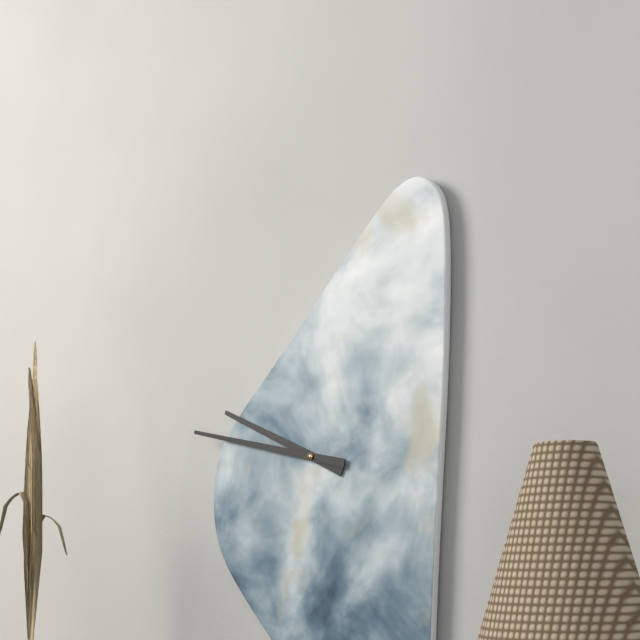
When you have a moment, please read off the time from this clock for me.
9:47
